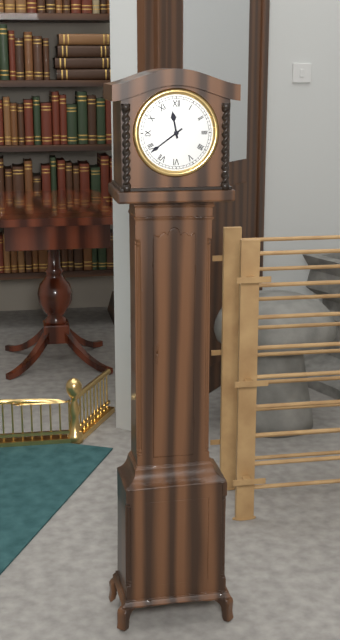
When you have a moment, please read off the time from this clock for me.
11:39
